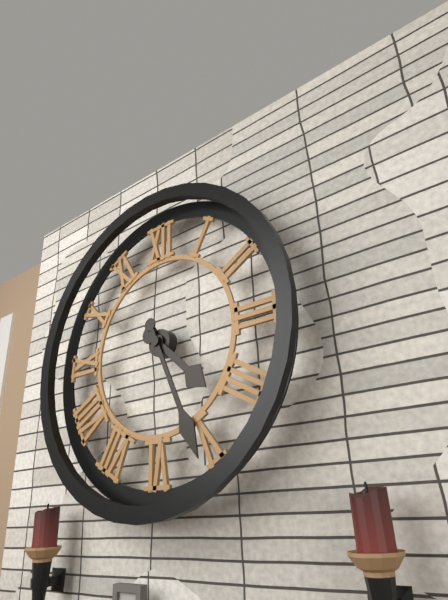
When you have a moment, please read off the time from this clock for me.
4:26
